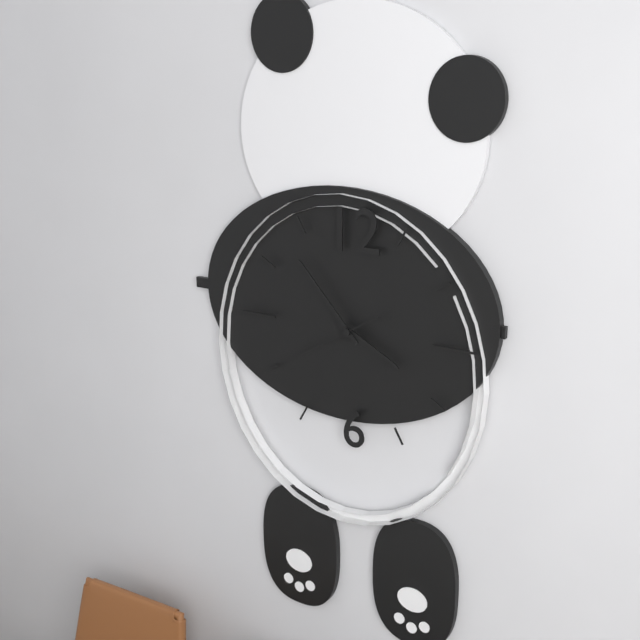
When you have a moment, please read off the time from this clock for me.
3:53:40
